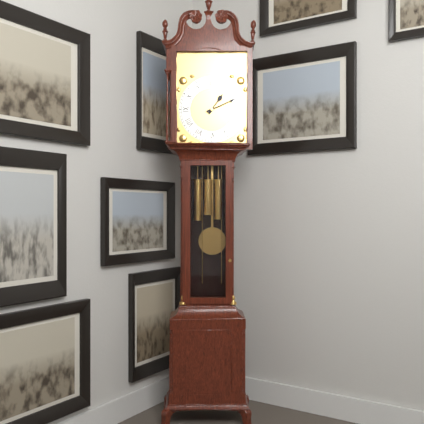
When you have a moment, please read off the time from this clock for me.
1:11
